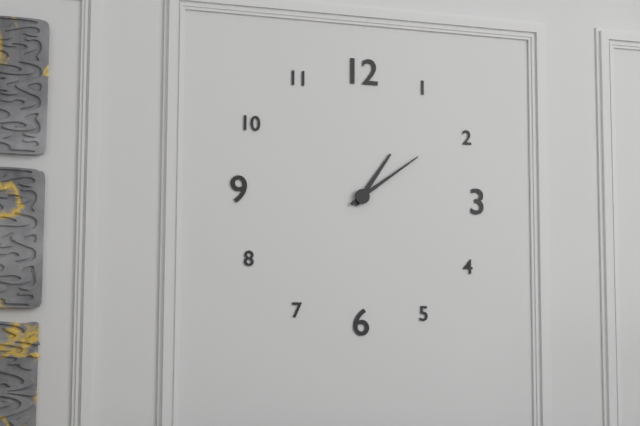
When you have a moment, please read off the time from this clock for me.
1:09
